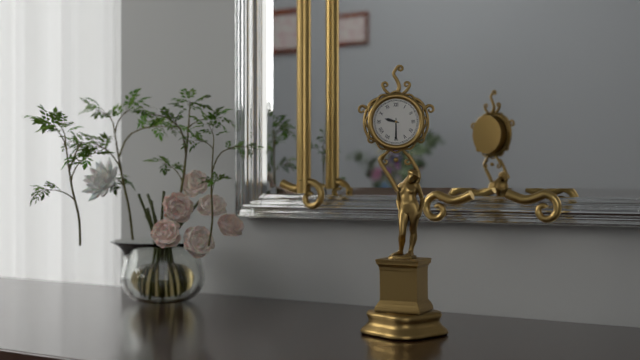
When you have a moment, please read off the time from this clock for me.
9:30
